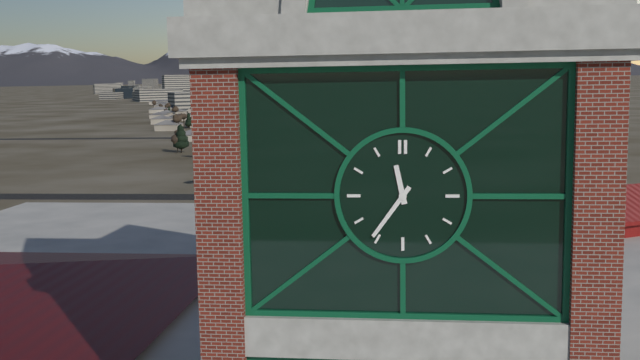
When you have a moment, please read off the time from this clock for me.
11:36
